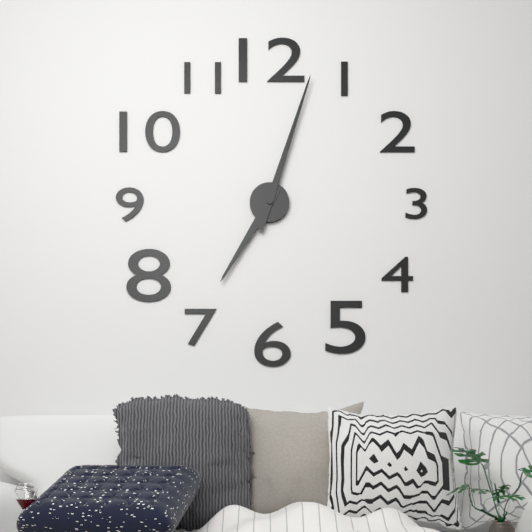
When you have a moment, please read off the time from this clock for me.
7:03
